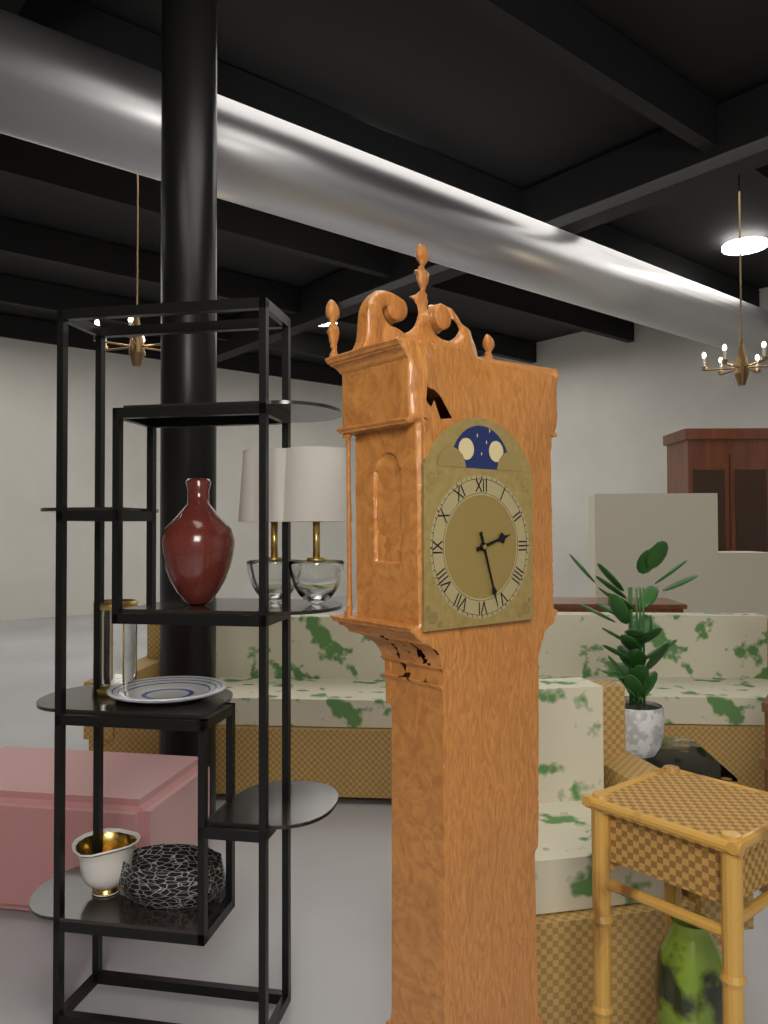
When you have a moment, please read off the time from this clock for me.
2:27
